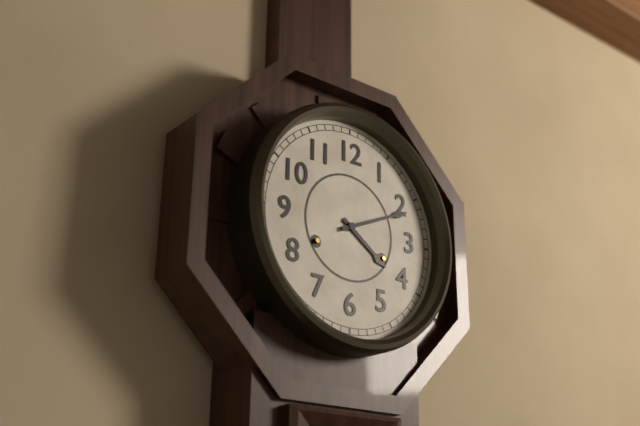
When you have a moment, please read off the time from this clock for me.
4:11
